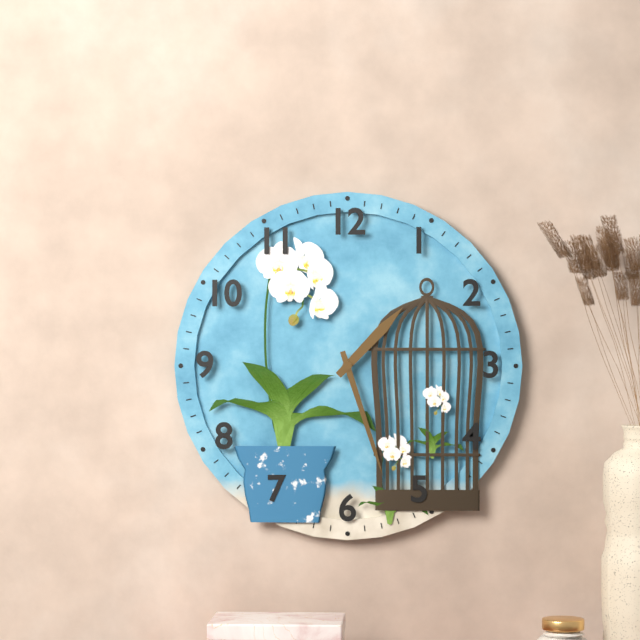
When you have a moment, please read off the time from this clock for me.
1:27
